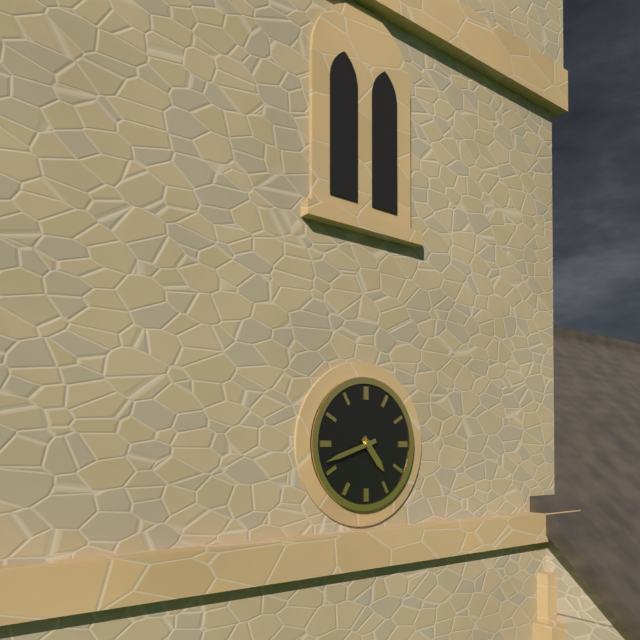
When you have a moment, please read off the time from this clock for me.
4:42
